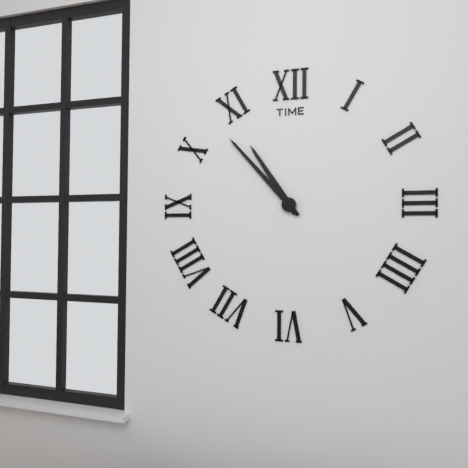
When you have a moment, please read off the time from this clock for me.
10:53
